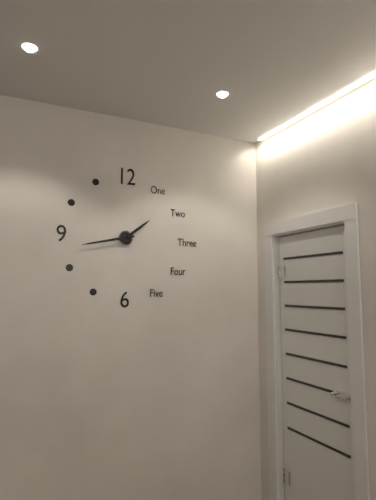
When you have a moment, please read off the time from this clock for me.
1:43
